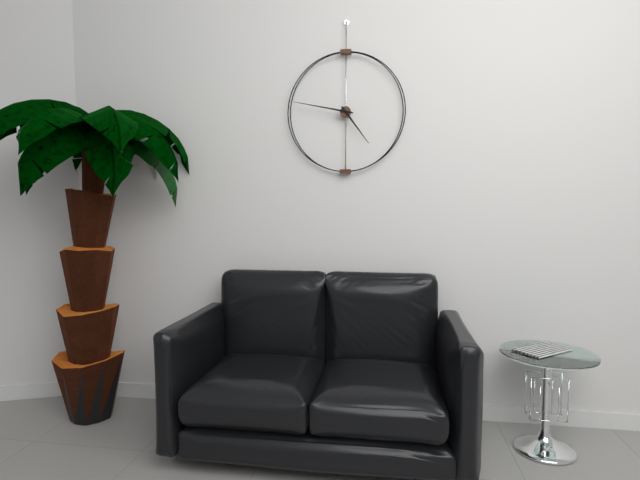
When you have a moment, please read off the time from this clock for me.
4:47
